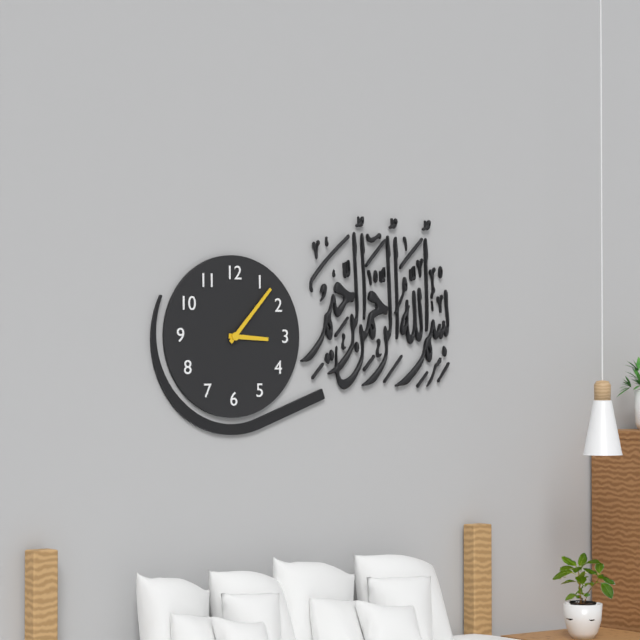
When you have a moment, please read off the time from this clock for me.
3:07
